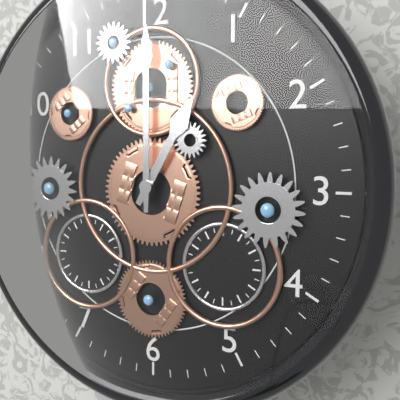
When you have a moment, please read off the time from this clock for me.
1:00
